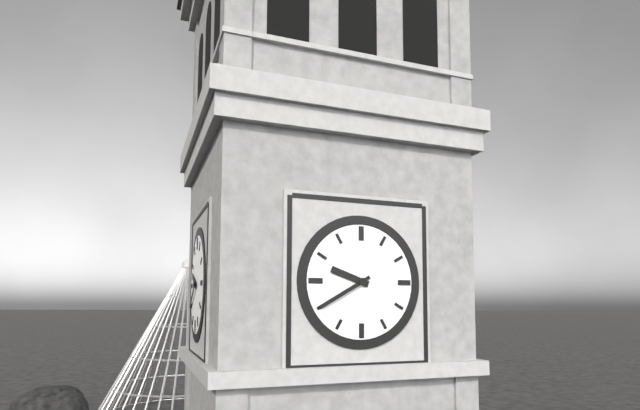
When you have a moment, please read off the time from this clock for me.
9:40
